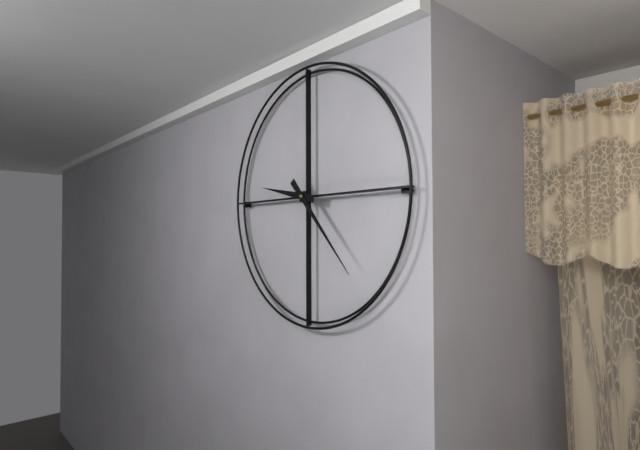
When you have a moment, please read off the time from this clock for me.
9:23
